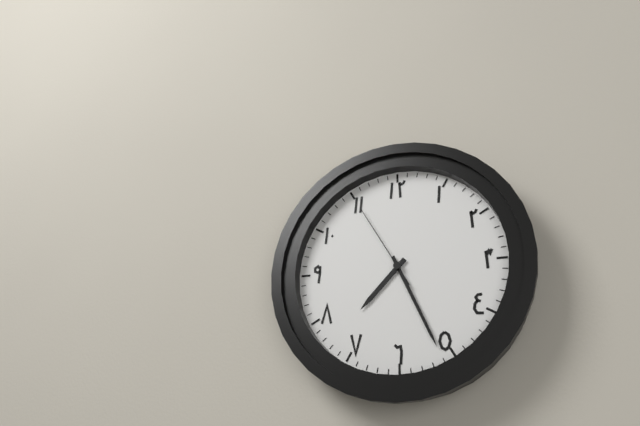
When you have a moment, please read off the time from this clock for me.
7:26:55
